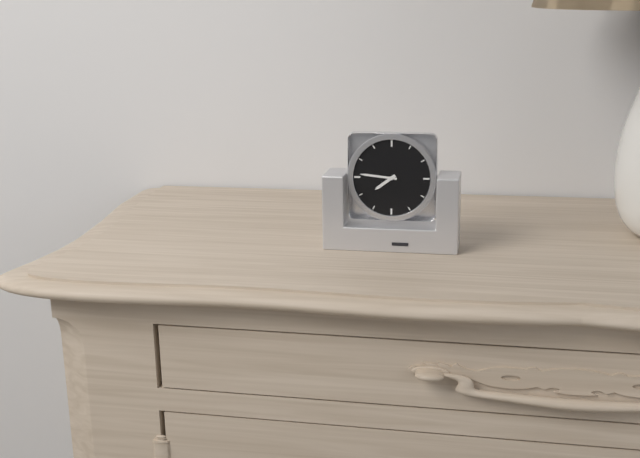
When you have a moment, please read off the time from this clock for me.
7:46
